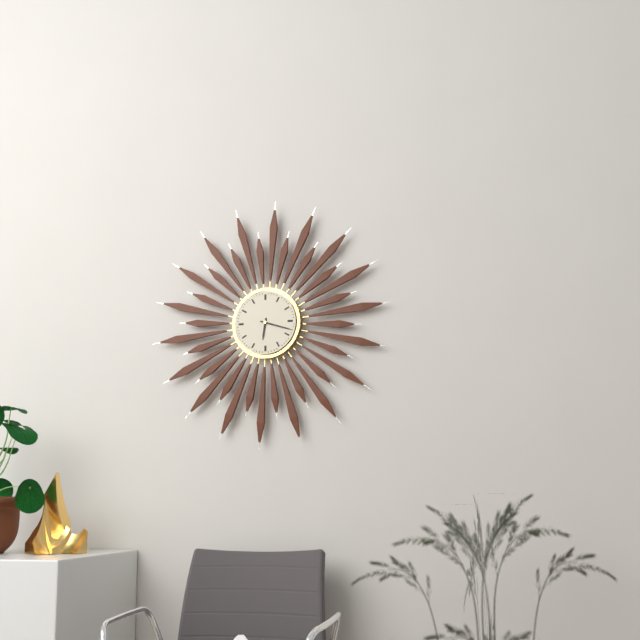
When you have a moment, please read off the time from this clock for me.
6:18
